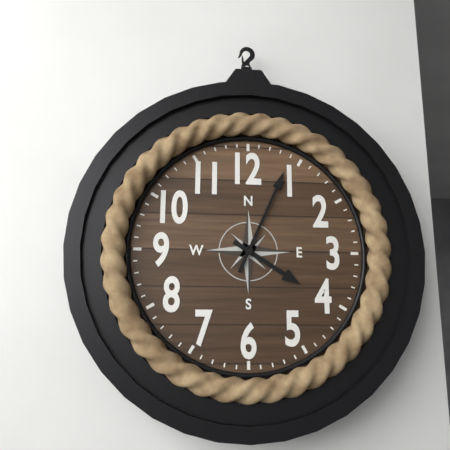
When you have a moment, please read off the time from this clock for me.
4:04
